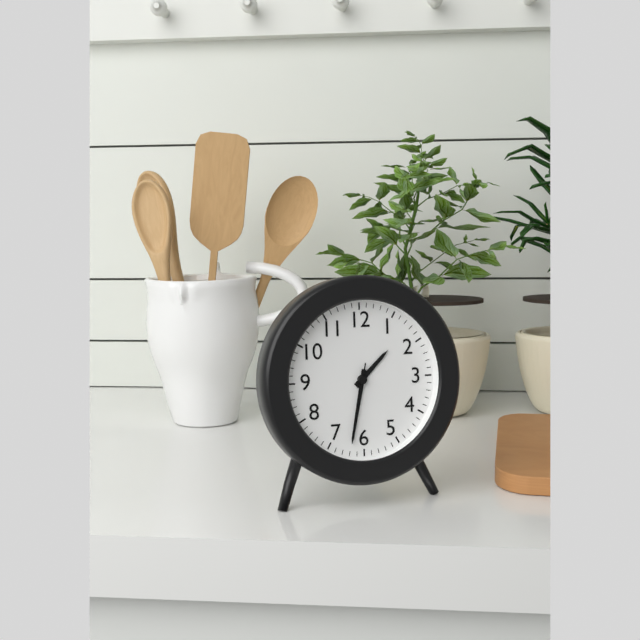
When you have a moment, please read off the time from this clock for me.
1:32:32
